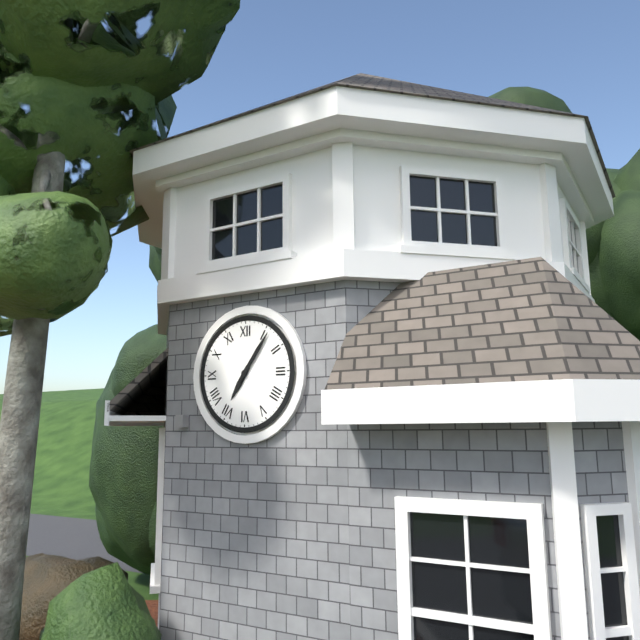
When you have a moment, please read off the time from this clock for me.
7:06
